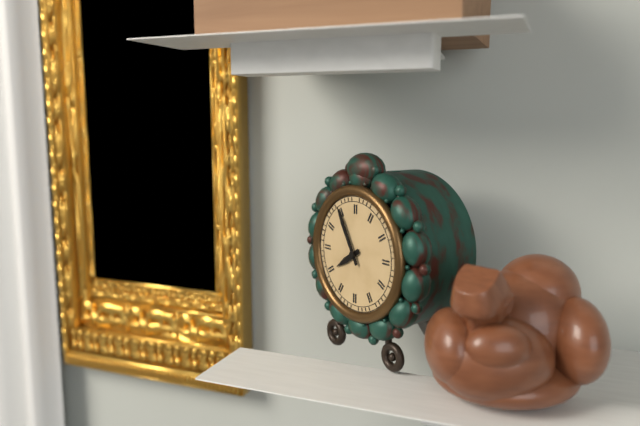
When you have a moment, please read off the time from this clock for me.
7:55
